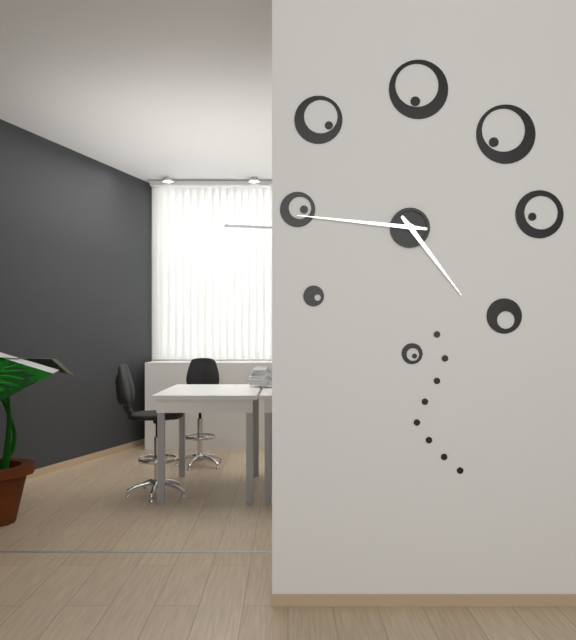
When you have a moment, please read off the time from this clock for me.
4:46
